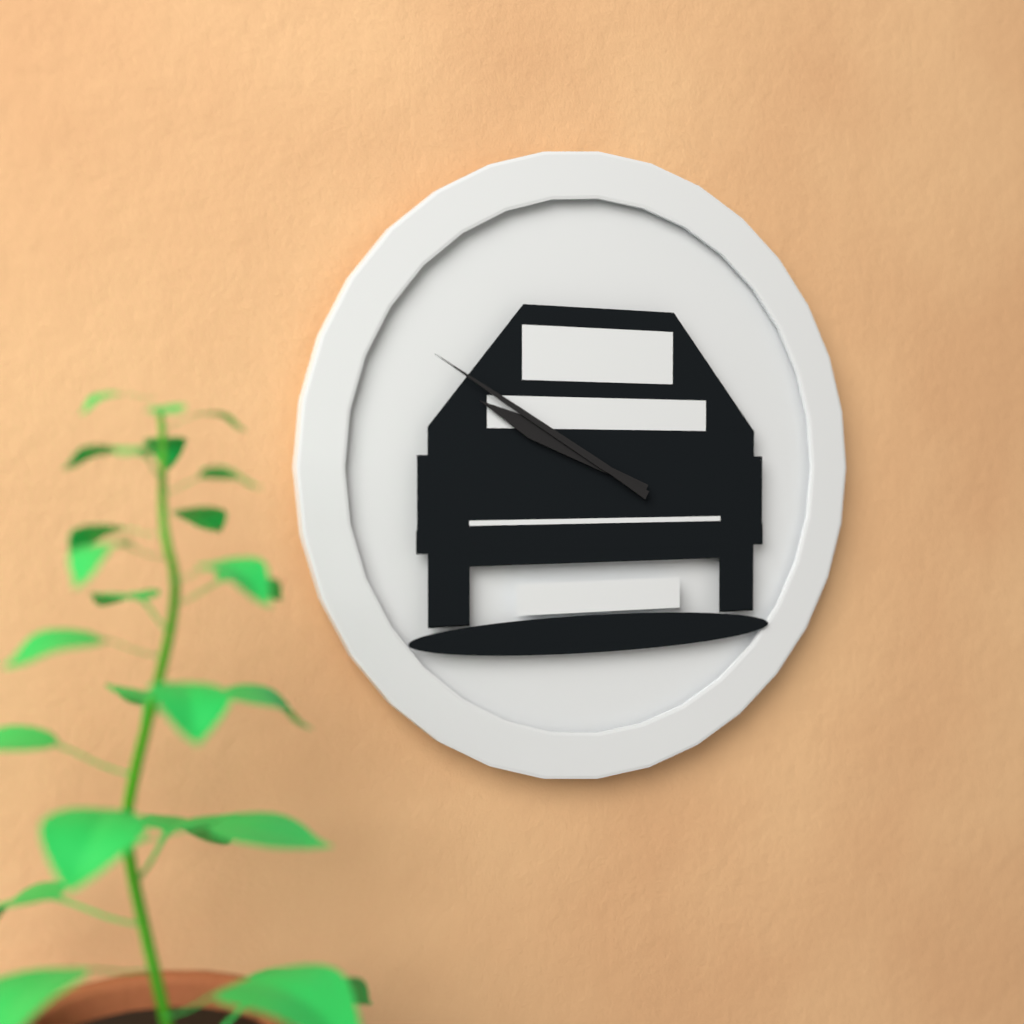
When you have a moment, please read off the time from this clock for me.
9:50
